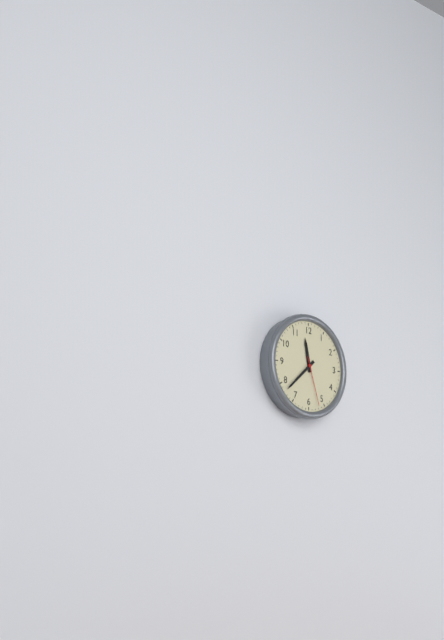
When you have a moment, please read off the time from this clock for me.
11:38:27
